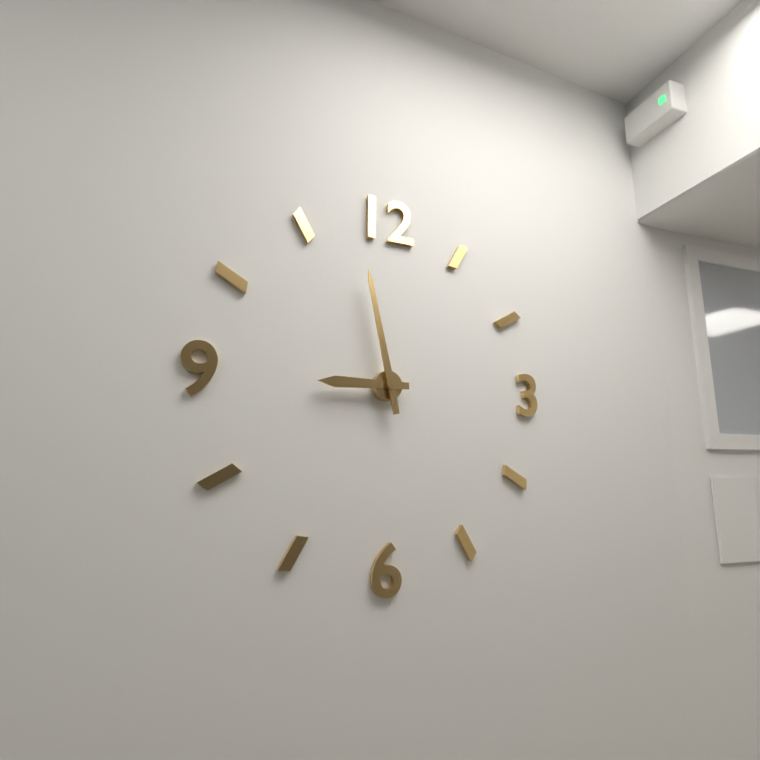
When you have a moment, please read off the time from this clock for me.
8:58
